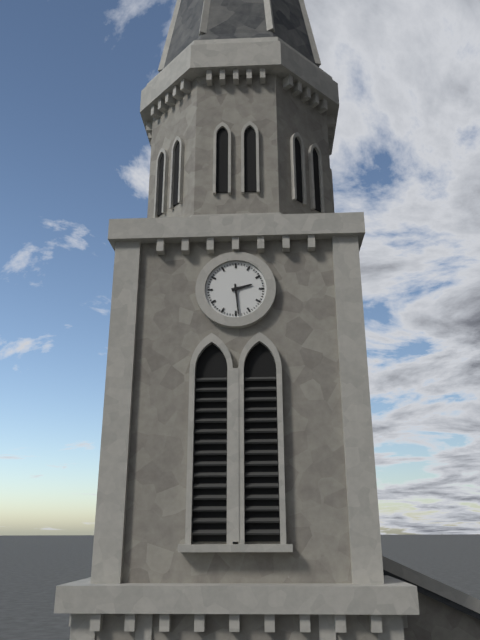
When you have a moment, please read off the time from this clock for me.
2:29
